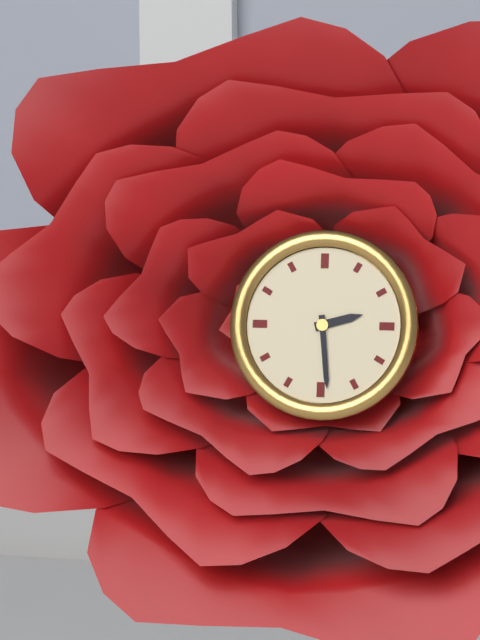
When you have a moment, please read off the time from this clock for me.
2:29
